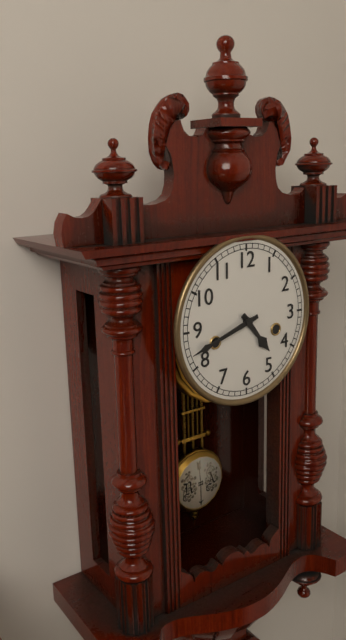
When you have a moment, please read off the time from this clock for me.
4:42
